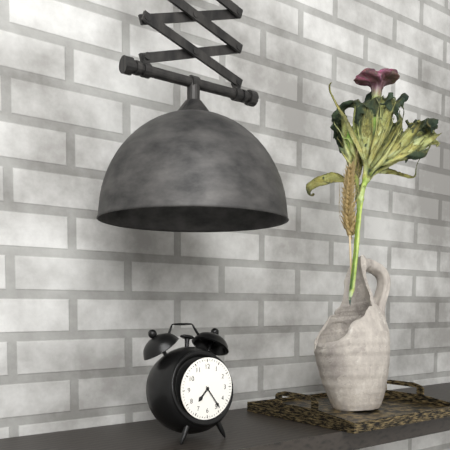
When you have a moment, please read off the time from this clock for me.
7:24
